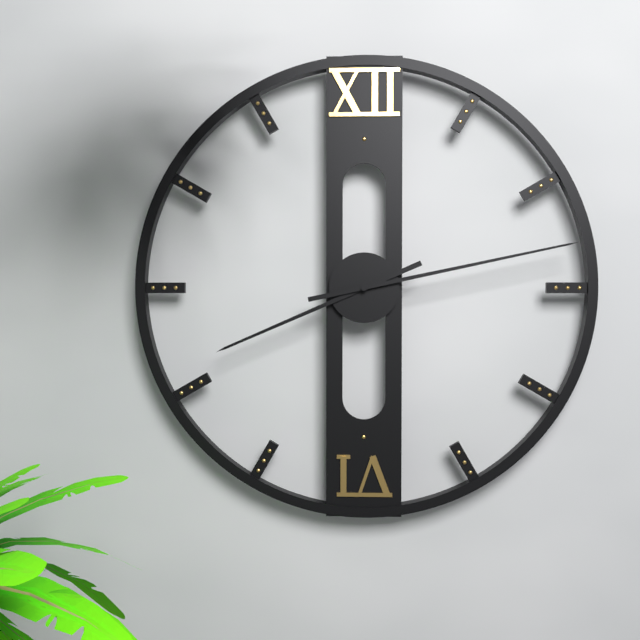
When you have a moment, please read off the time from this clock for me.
8:13
